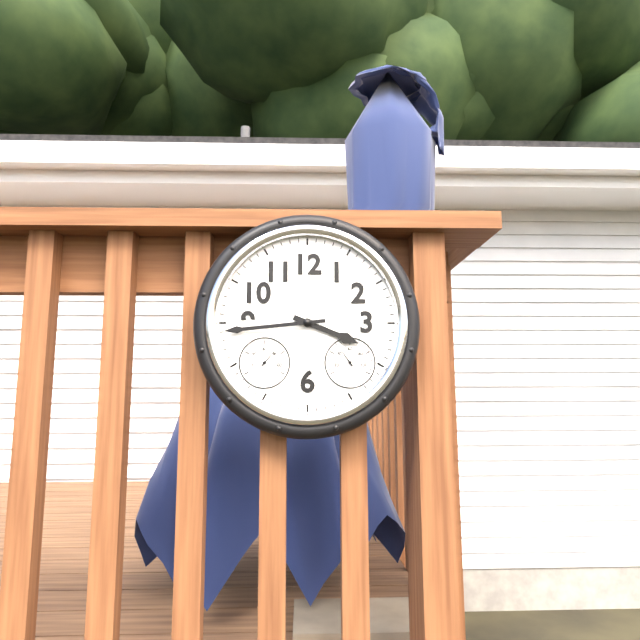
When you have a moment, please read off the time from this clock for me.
3:44
